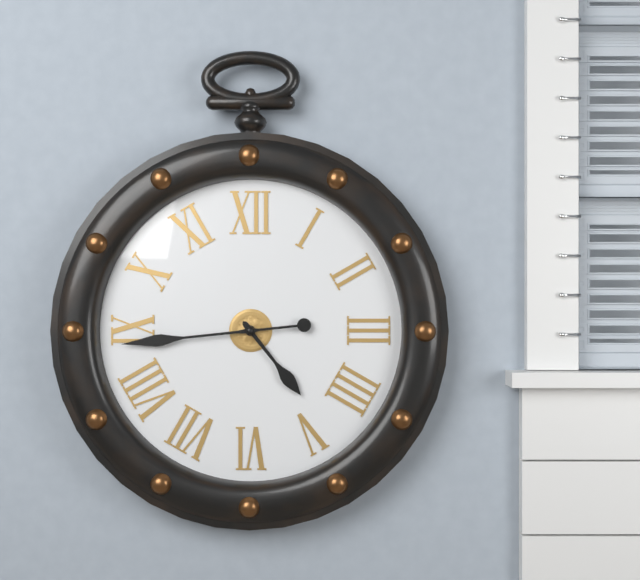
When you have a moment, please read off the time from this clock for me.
4:44
